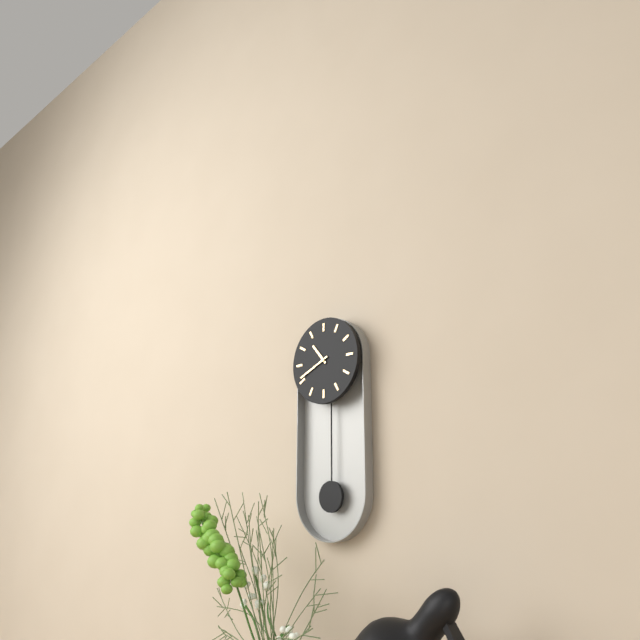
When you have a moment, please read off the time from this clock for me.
10:41
